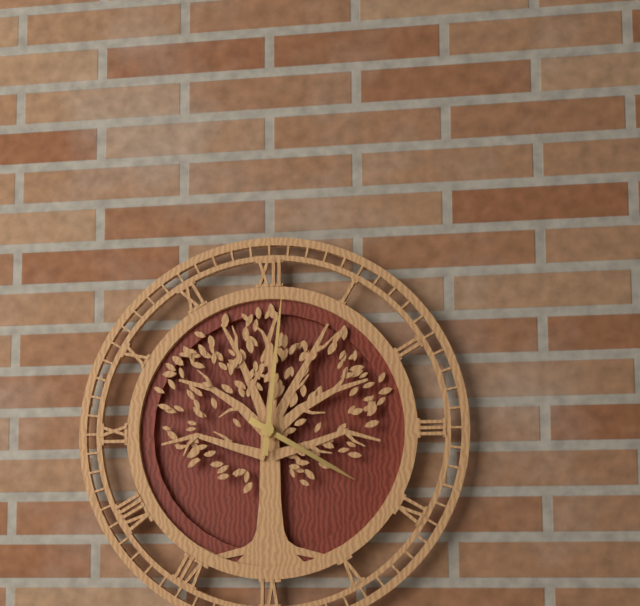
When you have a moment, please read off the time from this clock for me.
4:01
